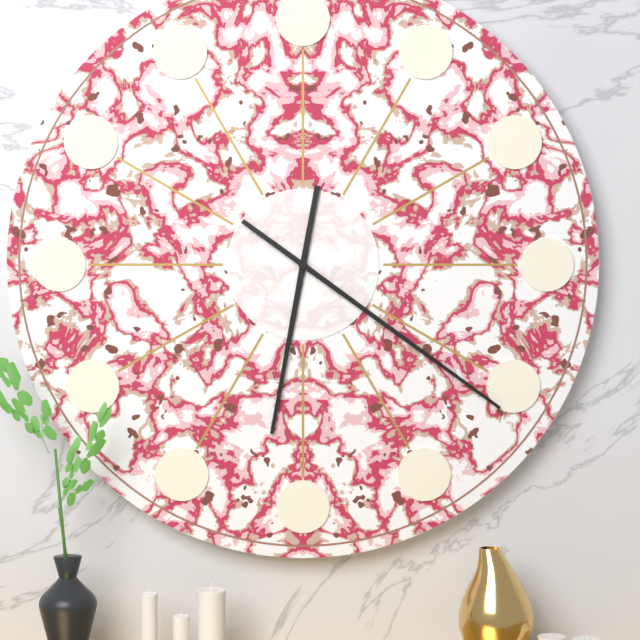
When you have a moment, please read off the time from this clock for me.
6:21
